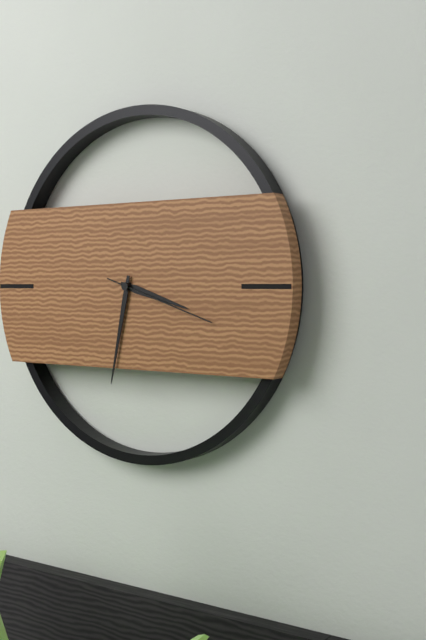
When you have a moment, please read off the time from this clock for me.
3:32:18
